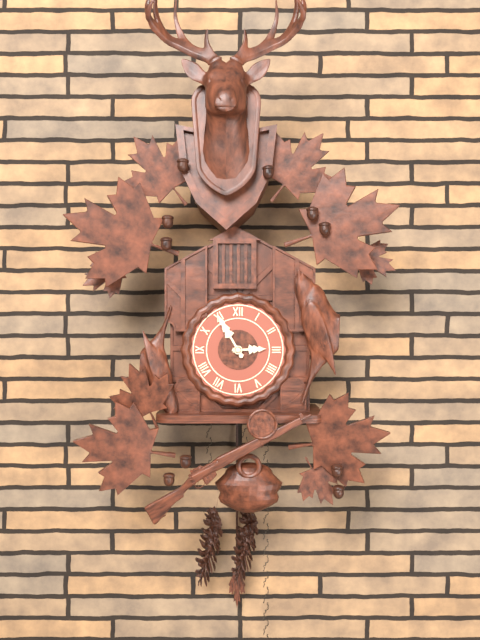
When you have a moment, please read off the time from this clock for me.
2:55
